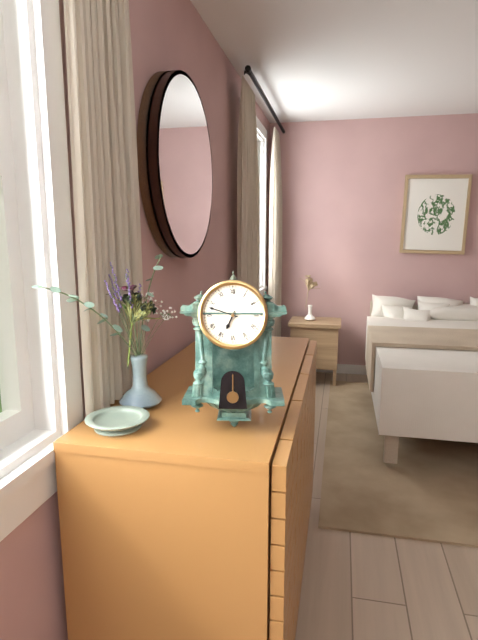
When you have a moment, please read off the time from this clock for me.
6:48
